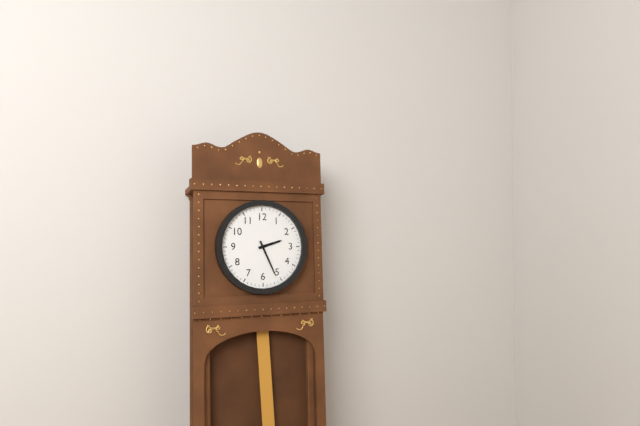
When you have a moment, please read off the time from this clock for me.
2:26
